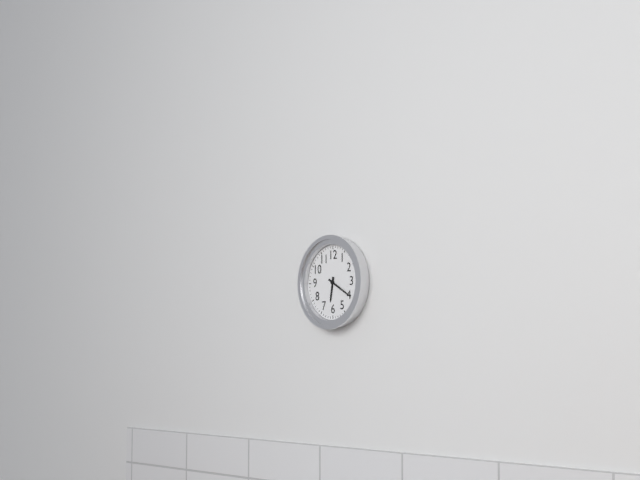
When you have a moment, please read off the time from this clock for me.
6:20
